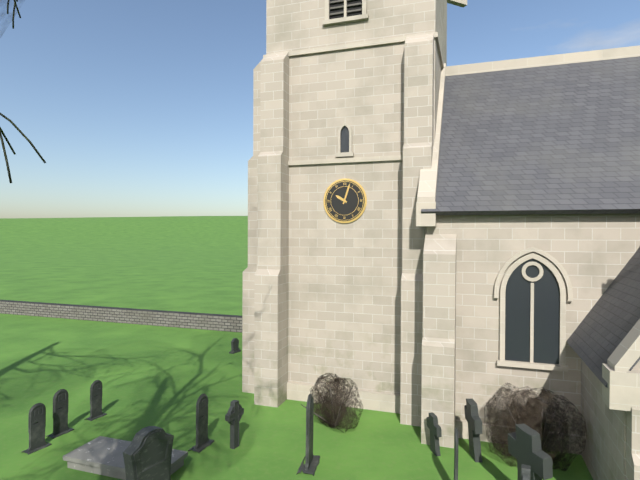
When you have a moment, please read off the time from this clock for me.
10:03
